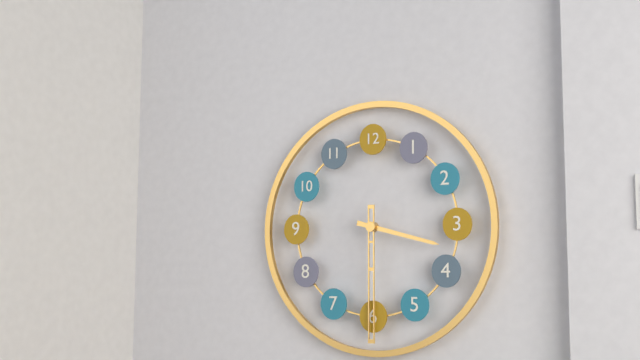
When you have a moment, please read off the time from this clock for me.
3:30
